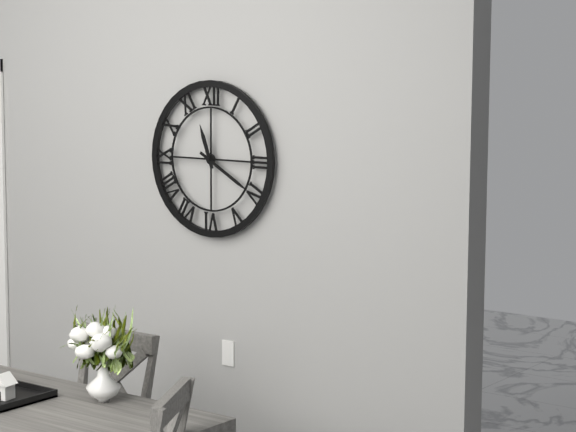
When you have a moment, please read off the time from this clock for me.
11:20
